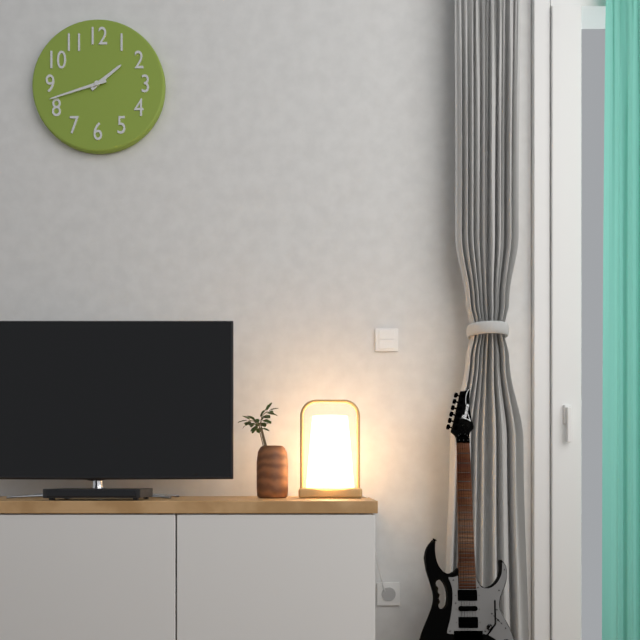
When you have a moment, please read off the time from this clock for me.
1:42
